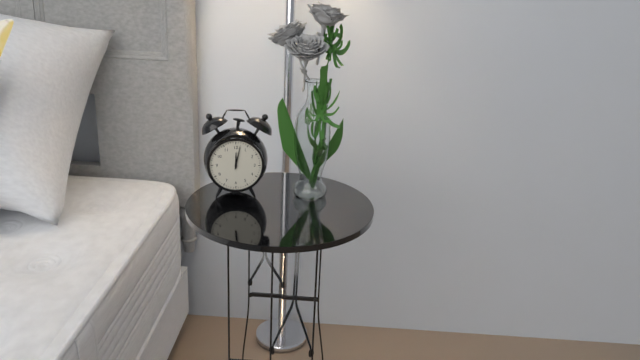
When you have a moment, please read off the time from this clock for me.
12:02
